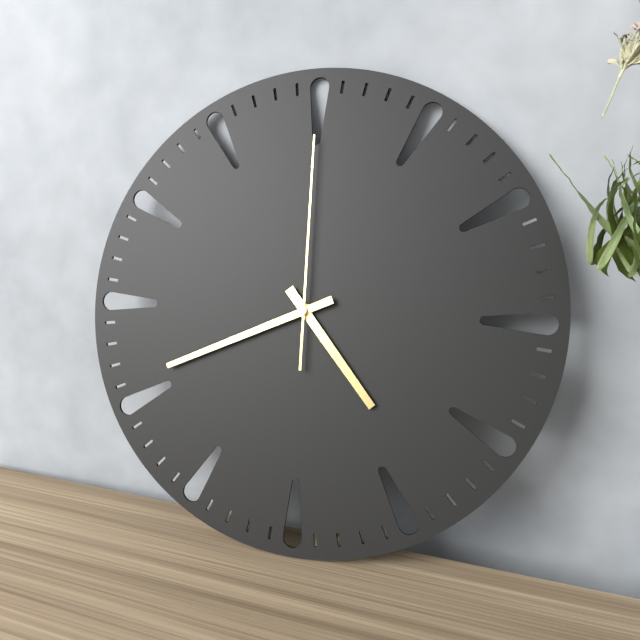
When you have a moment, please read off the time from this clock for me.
4:41:00
